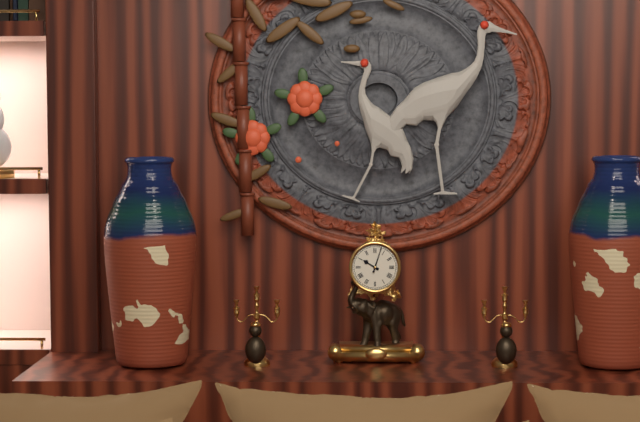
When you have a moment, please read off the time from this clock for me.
10:03
